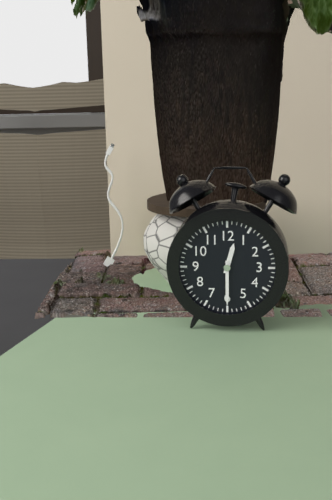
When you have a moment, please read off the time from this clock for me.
12:30
